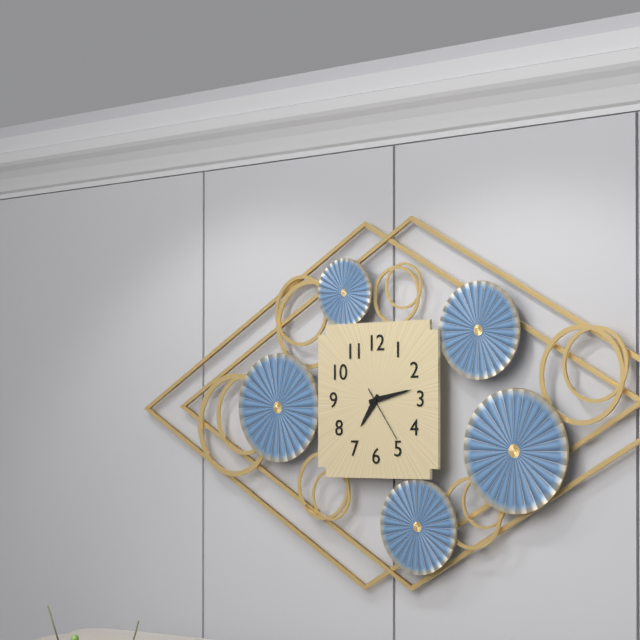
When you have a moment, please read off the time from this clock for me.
7:13:24
